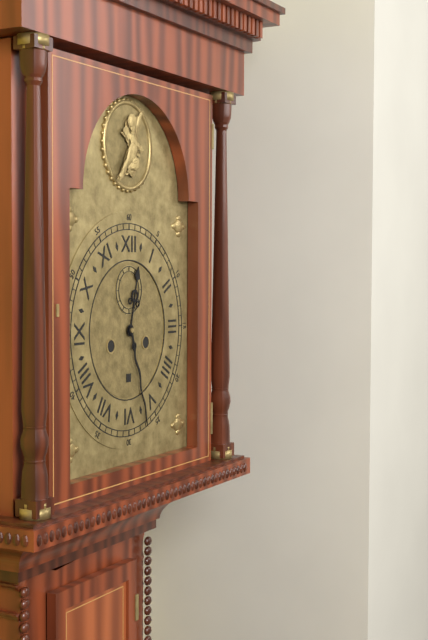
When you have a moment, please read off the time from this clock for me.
12:27
